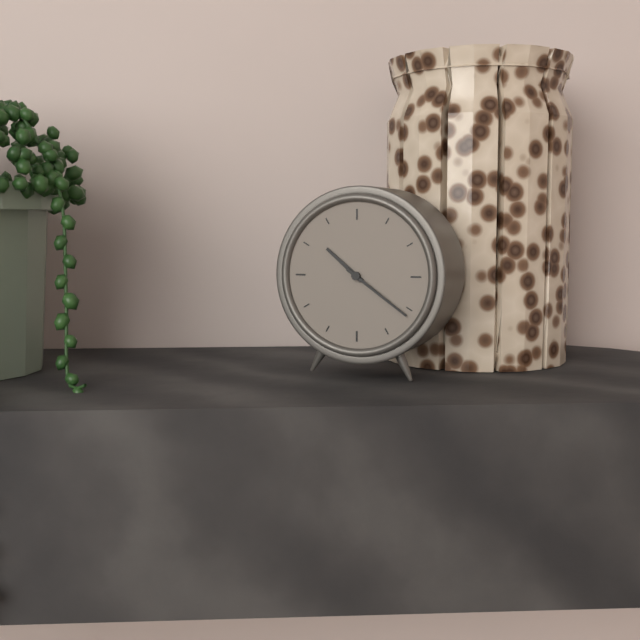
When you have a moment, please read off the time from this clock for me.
10:21
